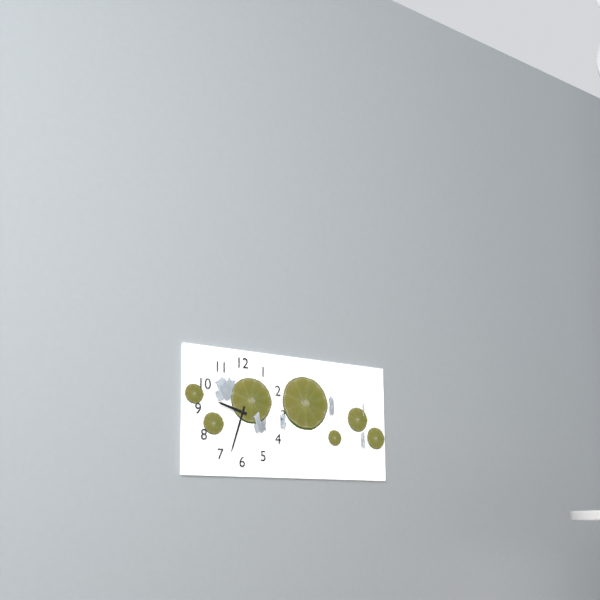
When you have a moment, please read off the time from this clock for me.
9:33
